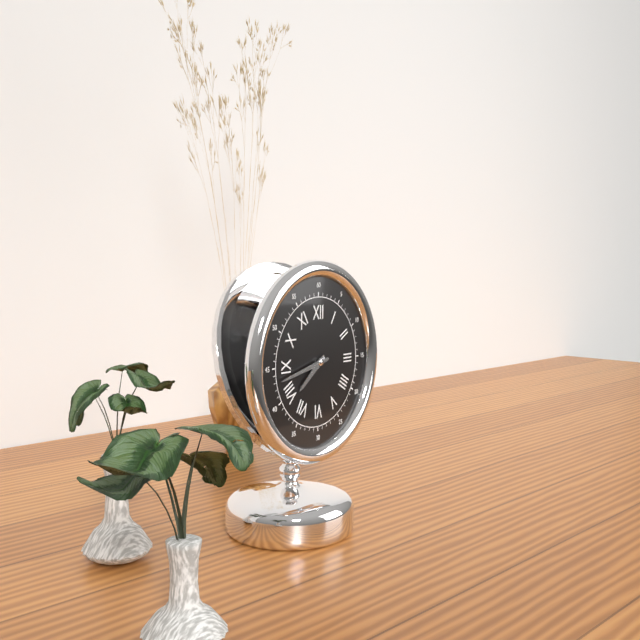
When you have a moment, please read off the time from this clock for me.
7:43
